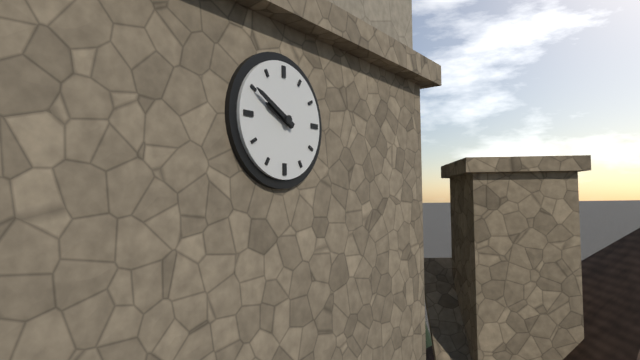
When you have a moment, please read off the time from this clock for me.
9:50
